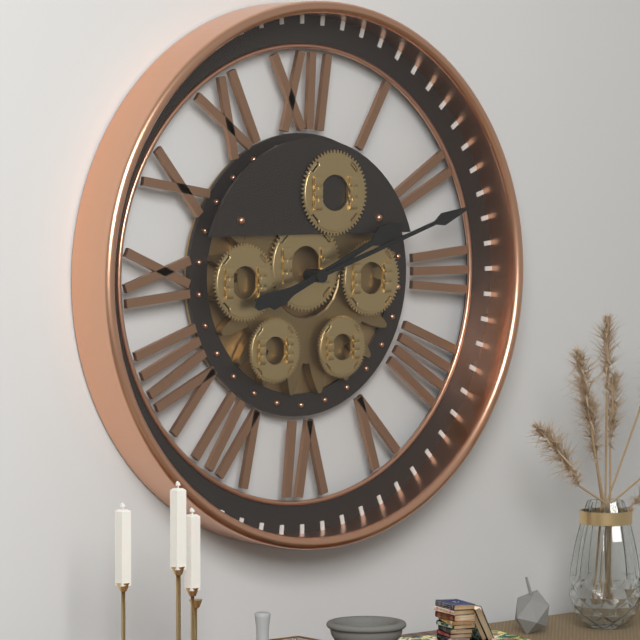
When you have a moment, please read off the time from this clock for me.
2:12
